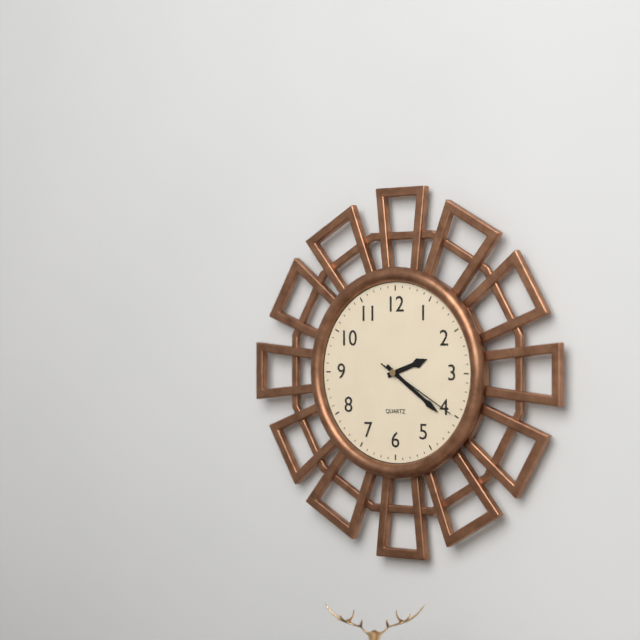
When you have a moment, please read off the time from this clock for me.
2:21:20
